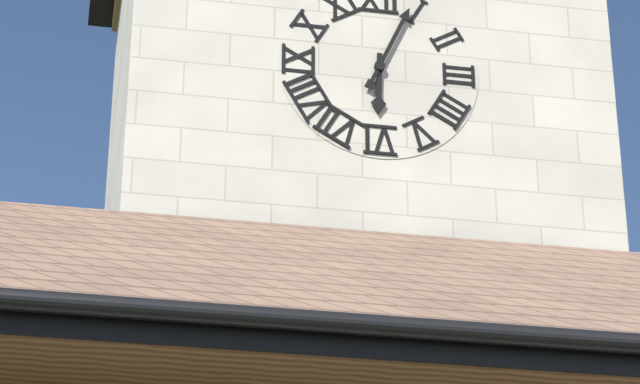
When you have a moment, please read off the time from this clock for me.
6:04
